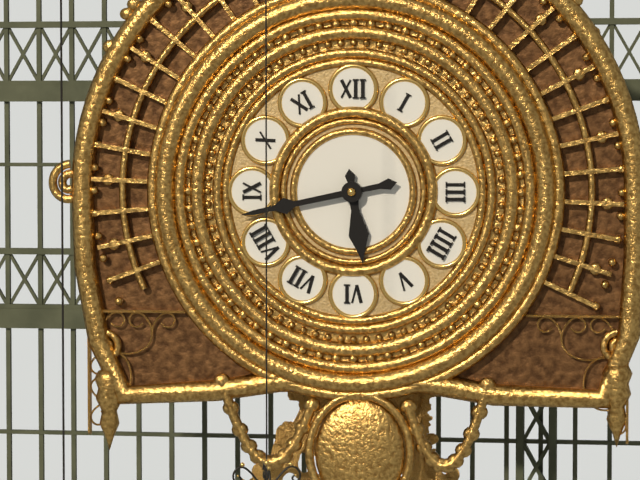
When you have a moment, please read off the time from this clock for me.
5:43
